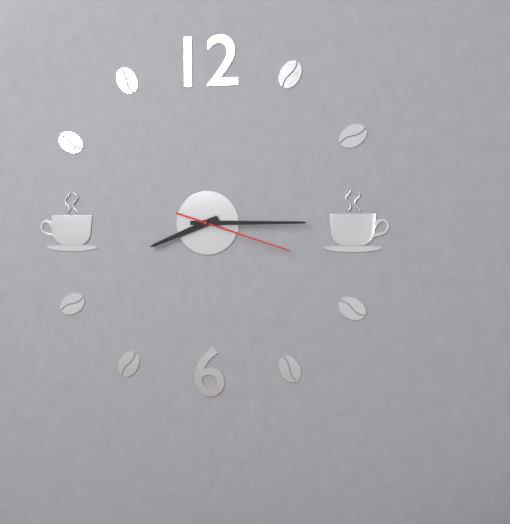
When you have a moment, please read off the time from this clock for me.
8:15:18
